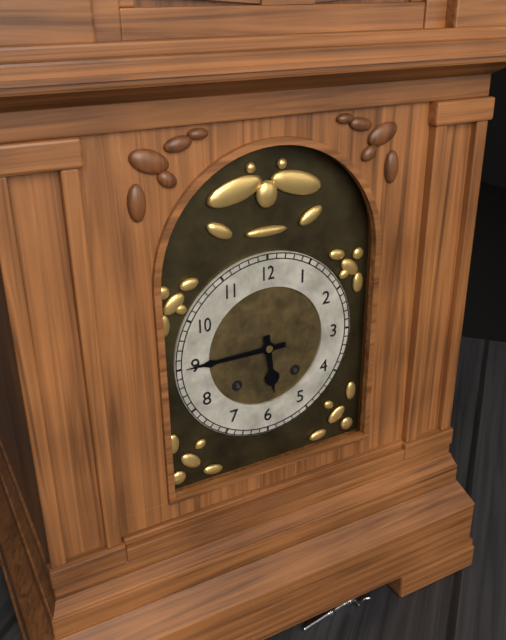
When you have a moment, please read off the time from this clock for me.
5:45
